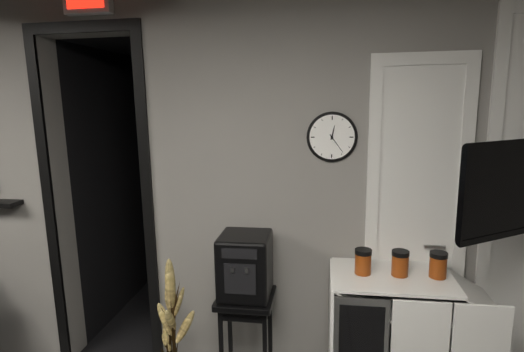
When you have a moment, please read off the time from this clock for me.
12:24
